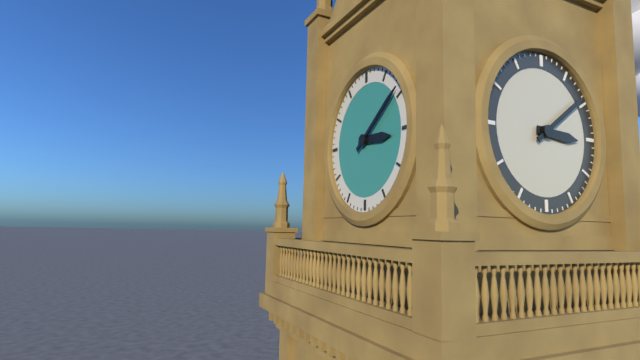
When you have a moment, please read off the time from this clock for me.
3:09
